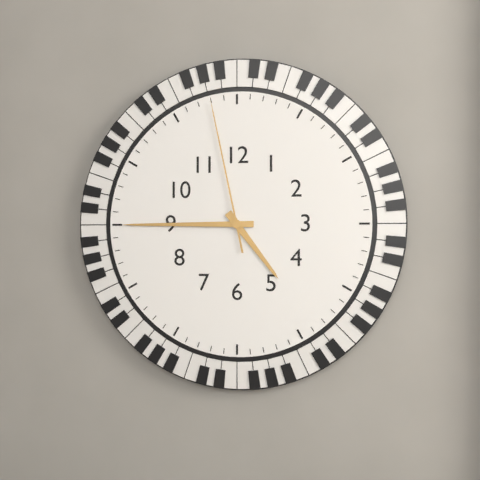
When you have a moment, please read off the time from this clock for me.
4:45:58
